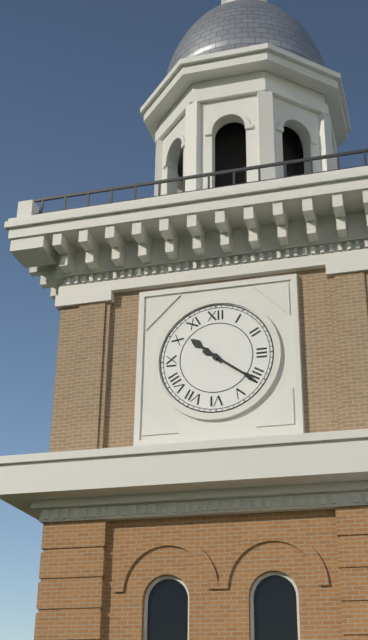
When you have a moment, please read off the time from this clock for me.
10:21
